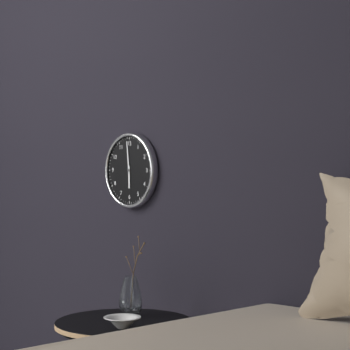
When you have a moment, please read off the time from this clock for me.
5:59
